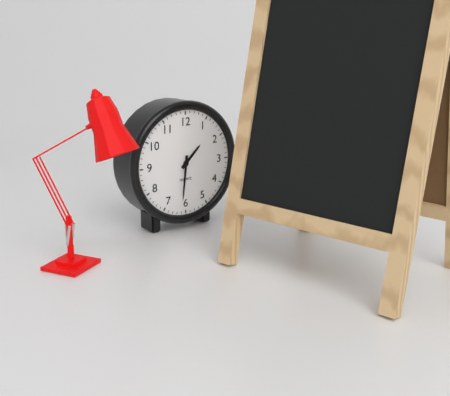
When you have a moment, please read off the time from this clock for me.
1:31
